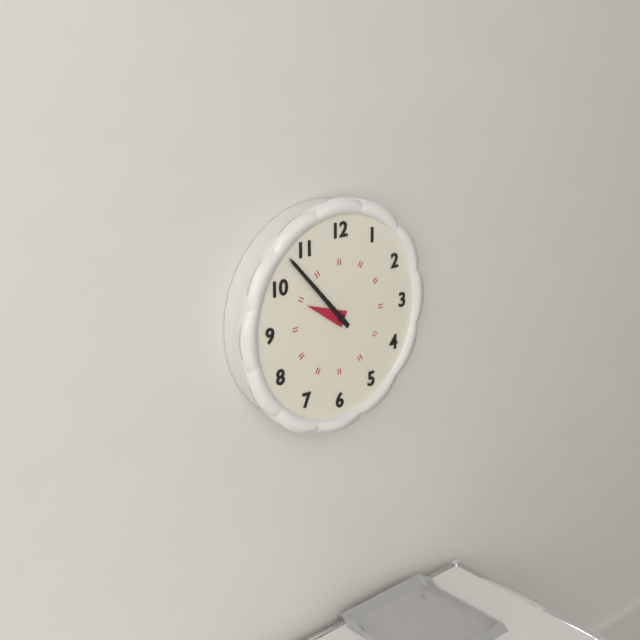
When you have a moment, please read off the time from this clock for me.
9:53
